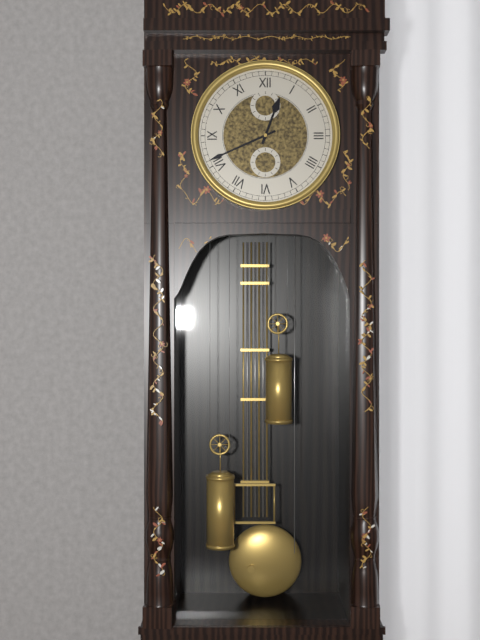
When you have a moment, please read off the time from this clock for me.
12:41
